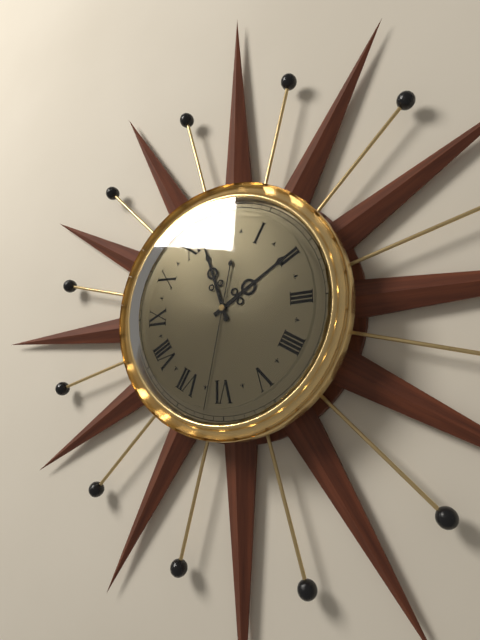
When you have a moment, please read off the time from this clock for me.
1:57:32
